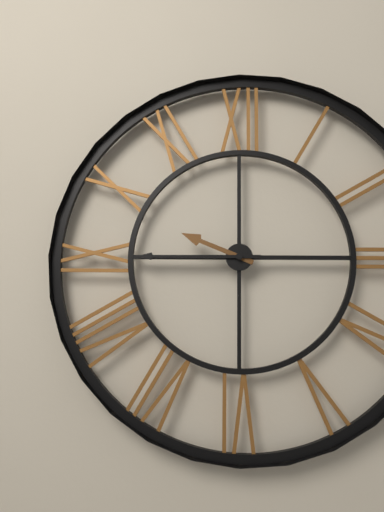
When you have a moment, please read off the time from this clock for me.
9:45
